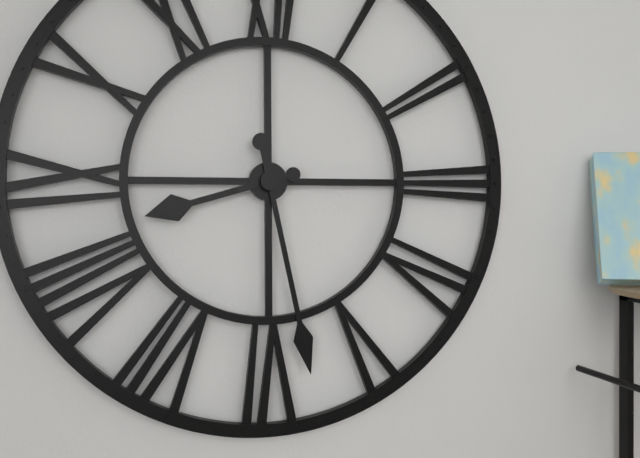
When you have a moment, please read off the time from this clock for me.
8:28
